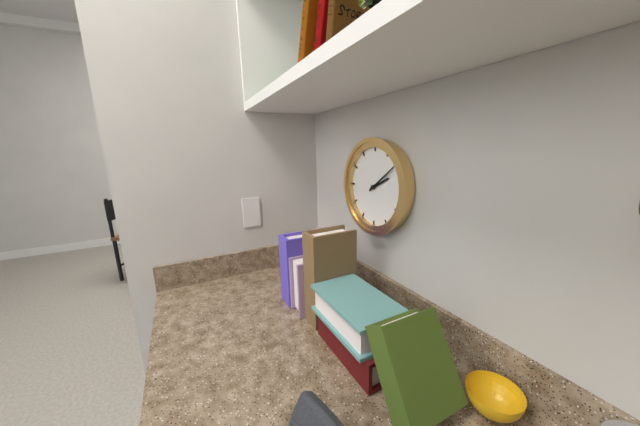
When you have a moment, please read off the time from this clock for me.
2:09
